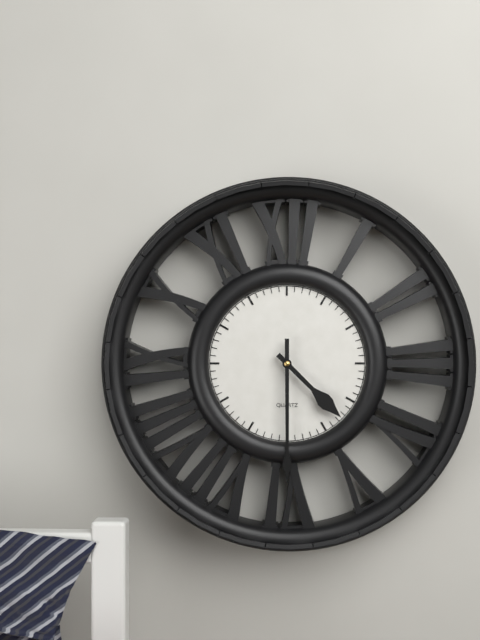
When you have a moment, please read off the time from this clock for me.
4:30
